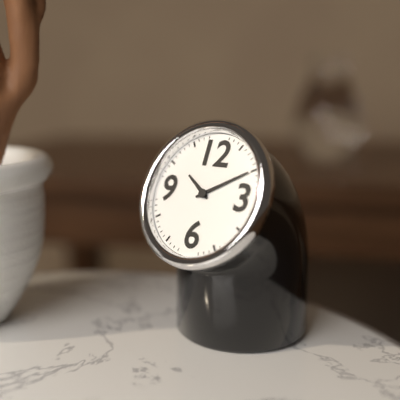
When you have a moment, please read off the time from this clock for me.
10:10
